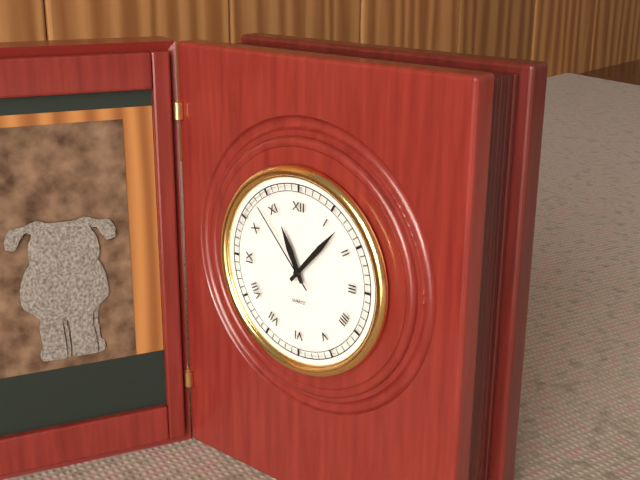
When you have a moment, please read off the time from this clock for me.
11:07:53
